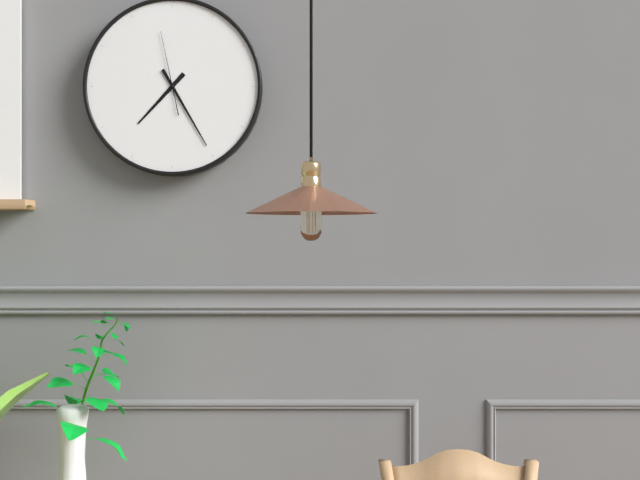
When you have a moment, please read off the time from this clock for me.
7:25:58
